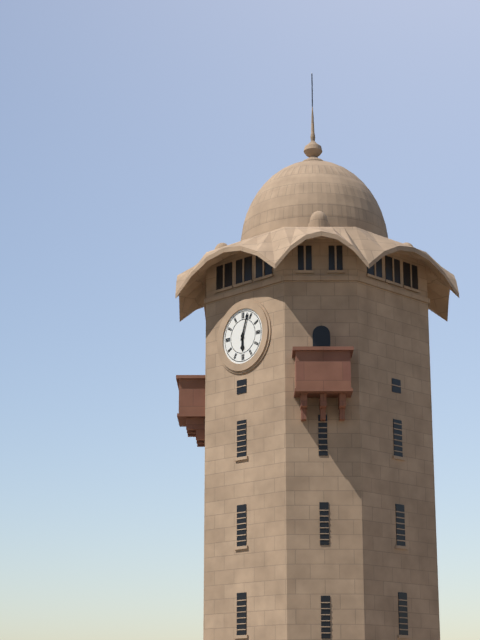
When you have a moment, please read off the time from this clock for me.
6:03
